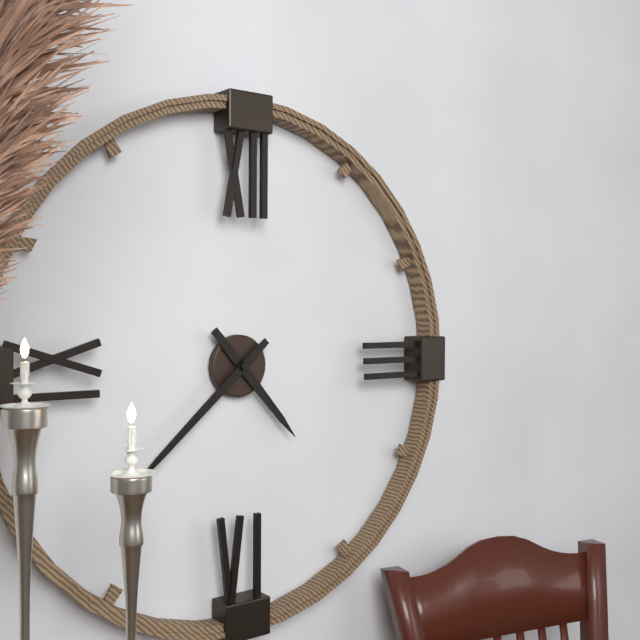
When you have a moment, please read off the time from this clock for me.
4:38
